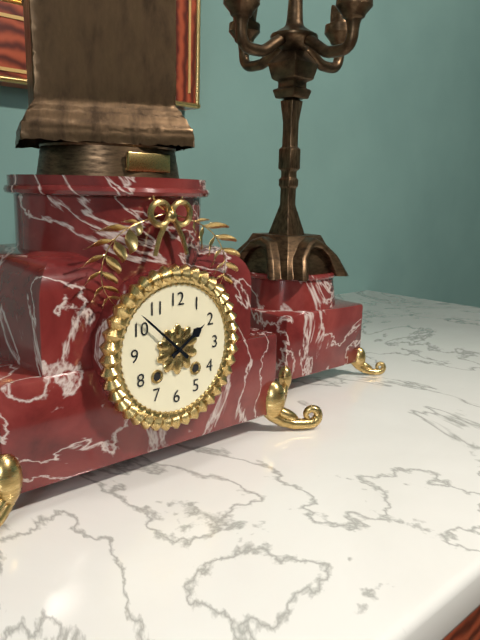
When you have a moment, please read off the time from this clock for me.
1:52
